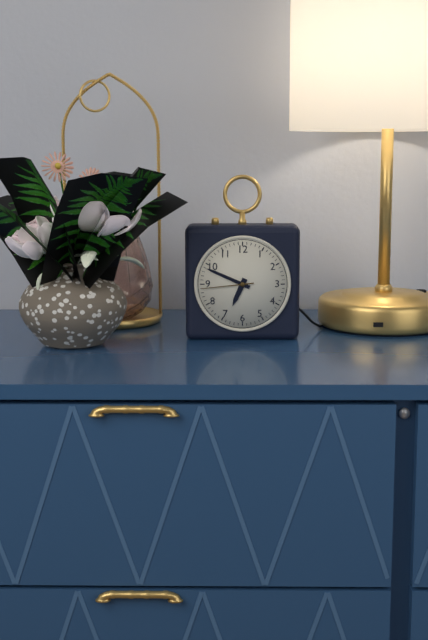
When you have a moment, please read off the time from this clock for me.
6:49:44
